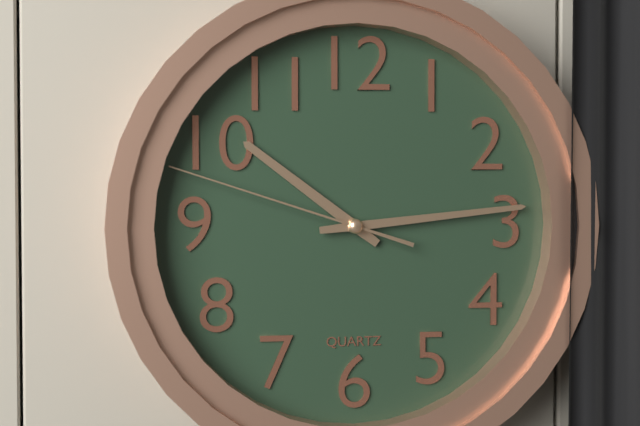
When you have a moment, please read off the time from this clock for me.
10:14:48
